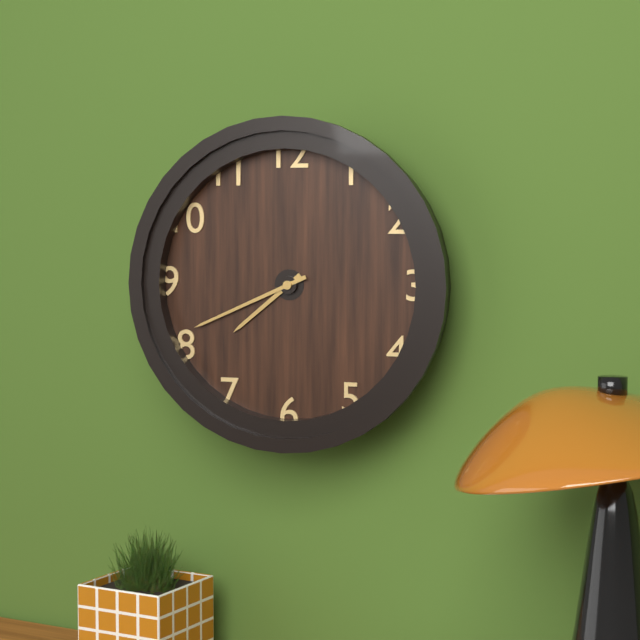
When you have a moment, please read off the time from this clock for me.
7:41
